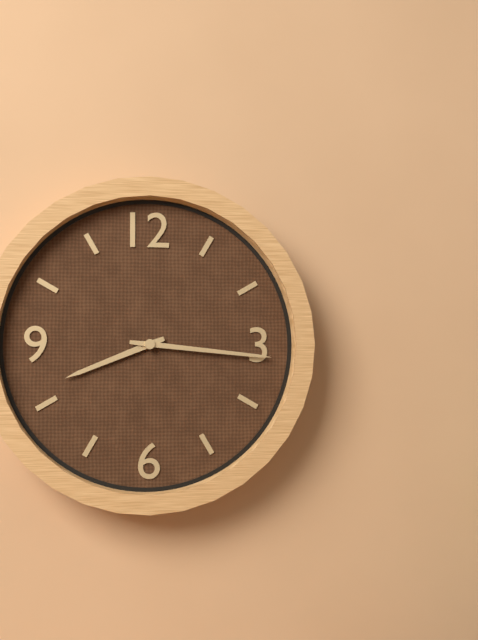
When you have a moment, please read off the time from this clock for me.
8:16
